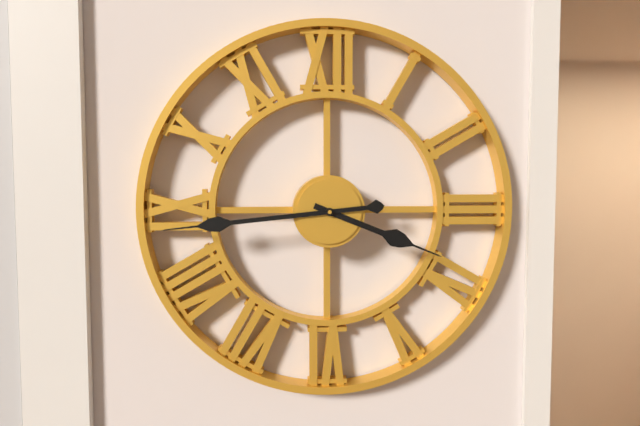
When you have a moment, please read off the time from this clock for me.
3:44
